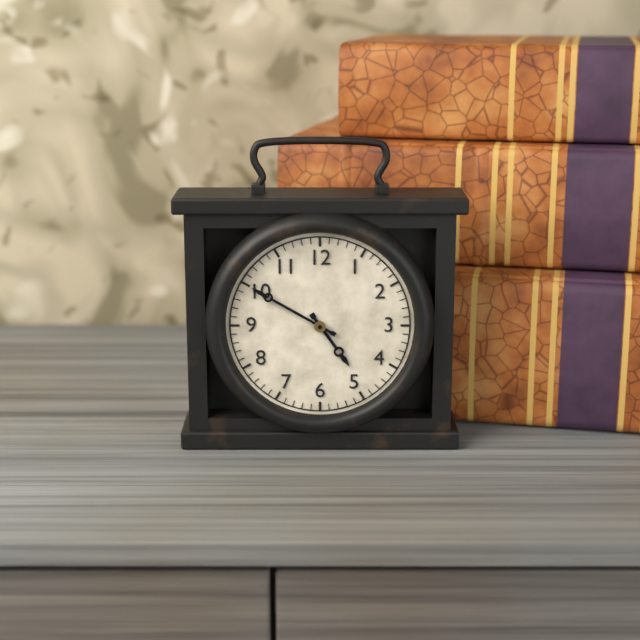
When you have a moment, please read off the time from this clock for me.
4:50
